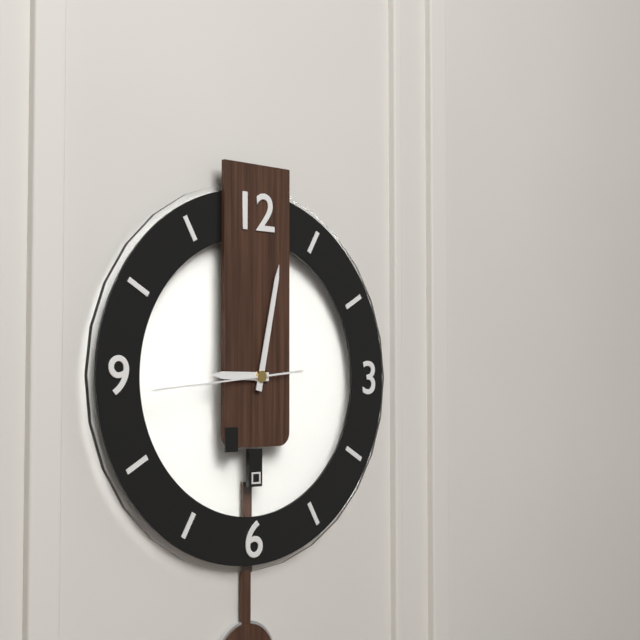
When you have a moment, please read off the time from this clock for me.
9:02:44
